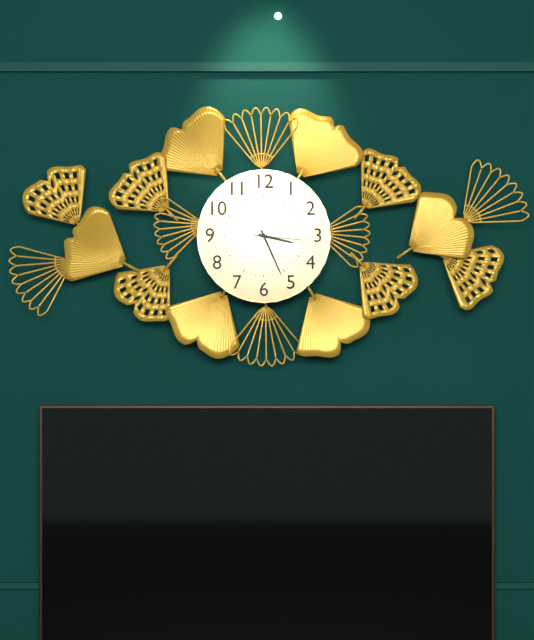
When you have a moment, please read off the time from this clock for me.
3:26:16
